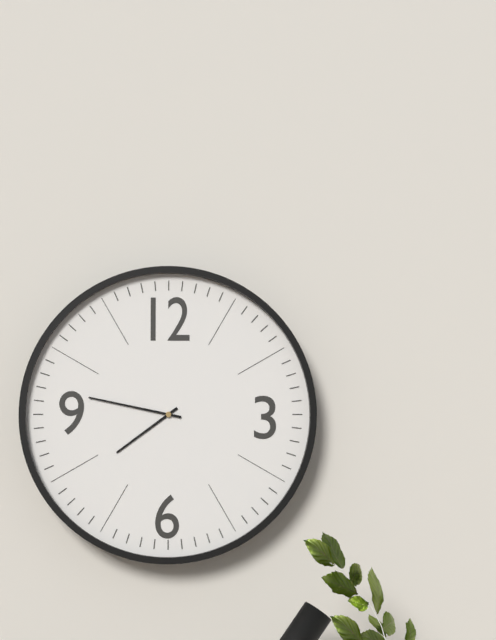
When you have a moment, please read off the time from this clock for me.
7:47
